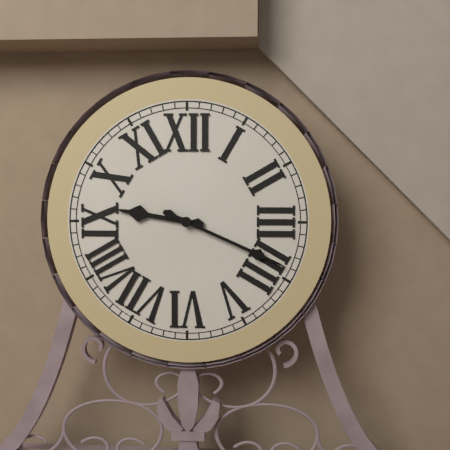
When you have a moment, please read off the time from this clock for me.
9:19
